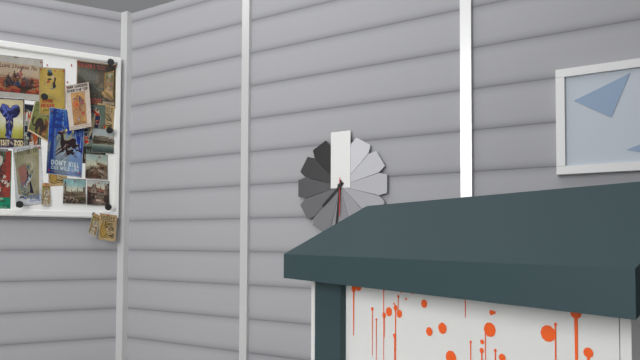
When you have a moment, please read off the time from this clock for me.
7:31
